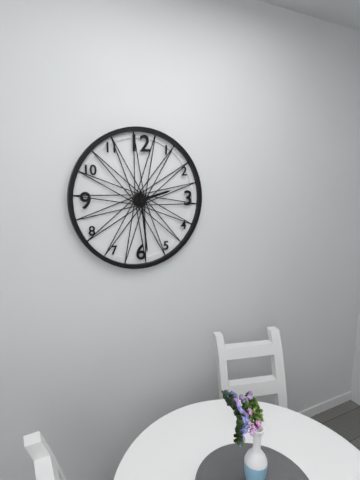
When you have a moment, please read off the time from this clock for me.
2:29
